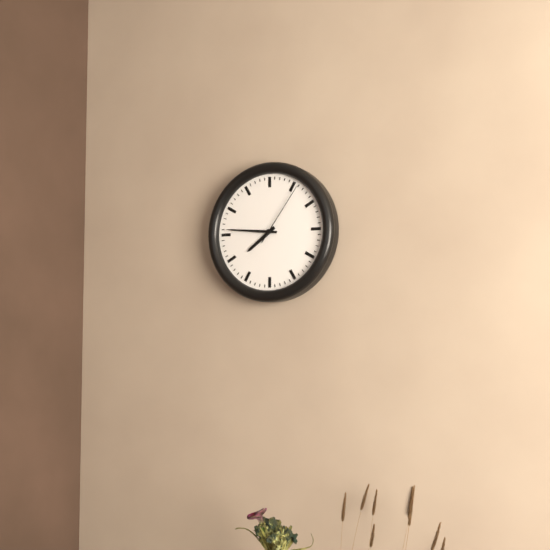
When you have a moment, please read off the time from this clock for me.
7:46:06
